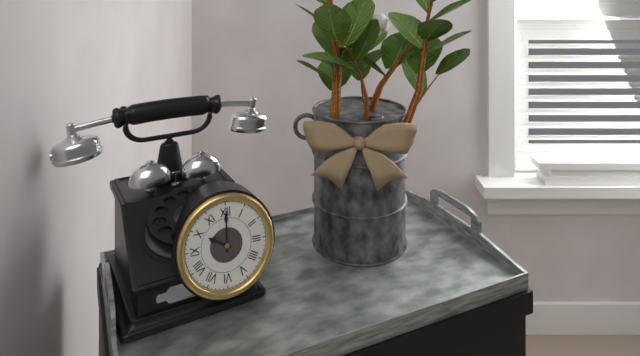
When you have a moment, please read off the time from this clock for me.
10:00
